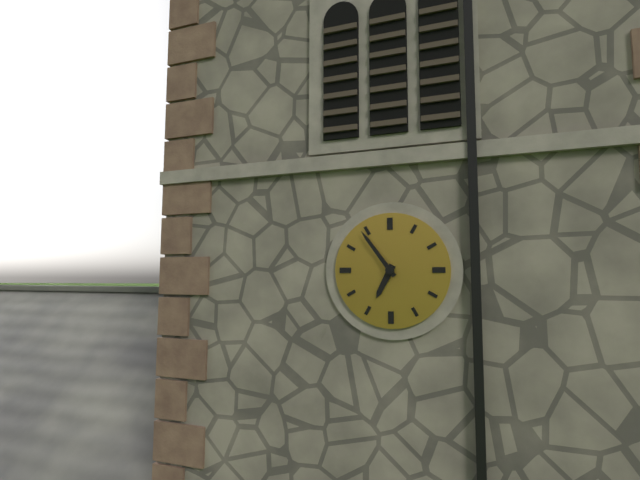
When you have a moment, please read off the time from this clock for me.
6:54
